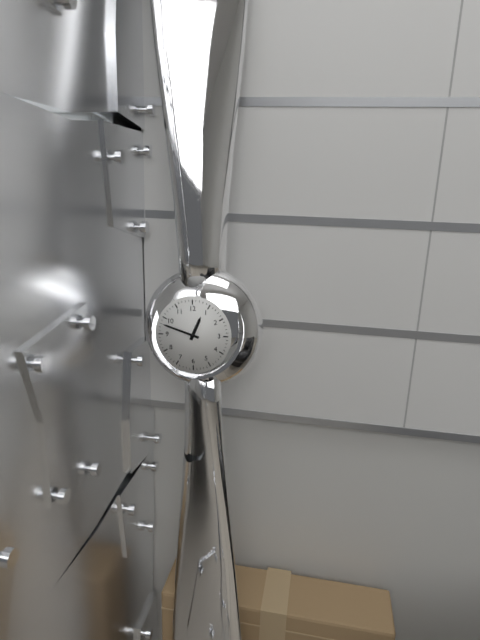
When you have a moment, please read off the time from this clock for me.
12:48
